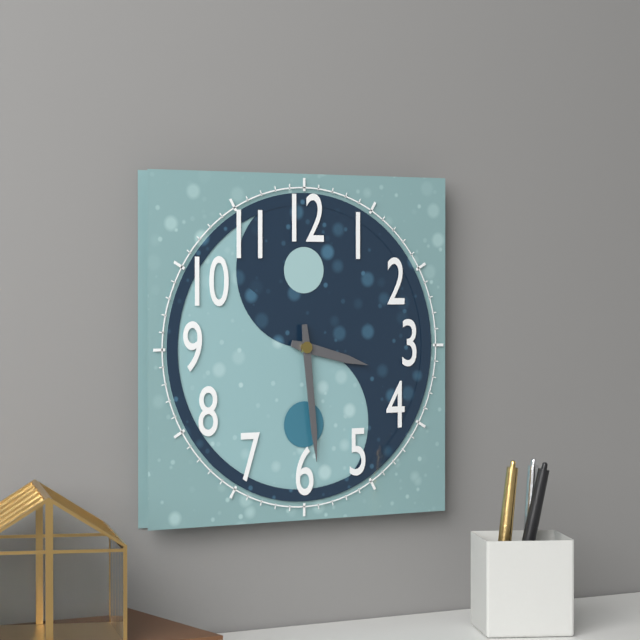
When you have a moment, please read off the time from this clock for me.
3:29
